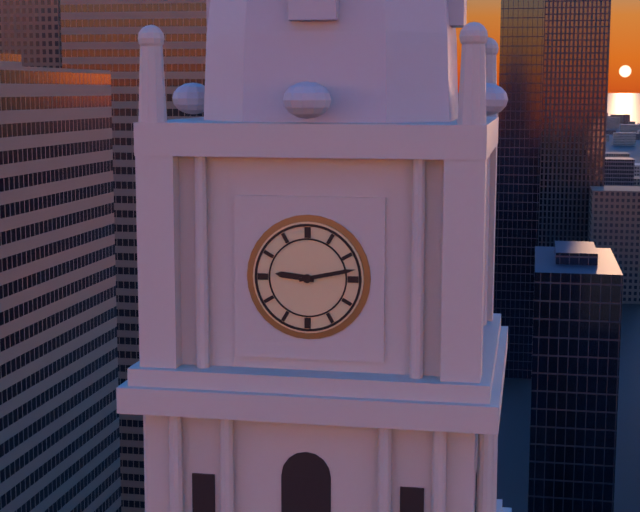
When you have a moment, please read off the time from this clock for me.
9:13
